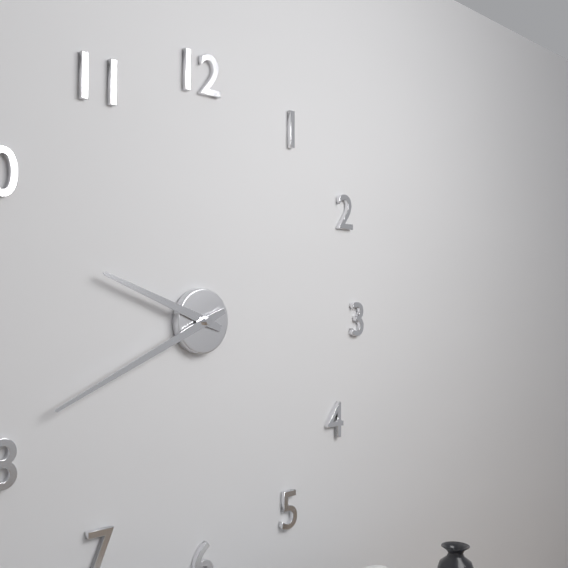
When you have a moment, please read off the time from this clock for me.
9:41
